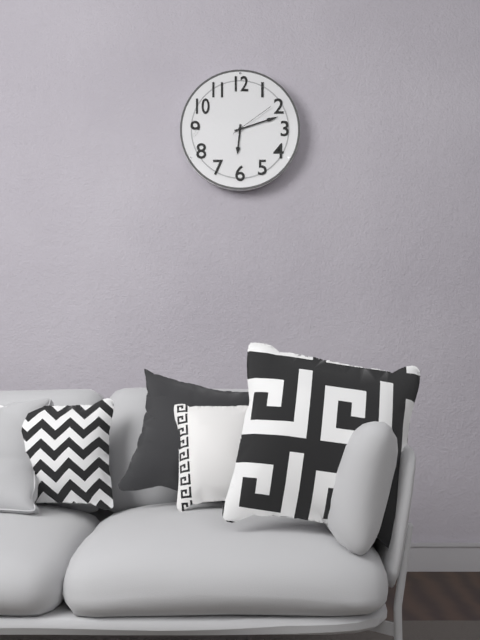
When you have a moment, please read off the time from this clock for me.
6:12
